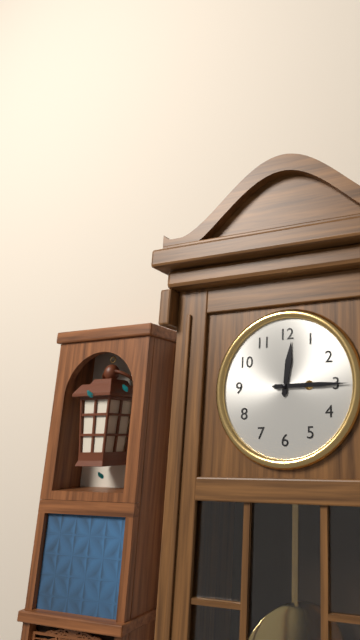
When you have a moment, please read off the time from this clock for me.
12:15
